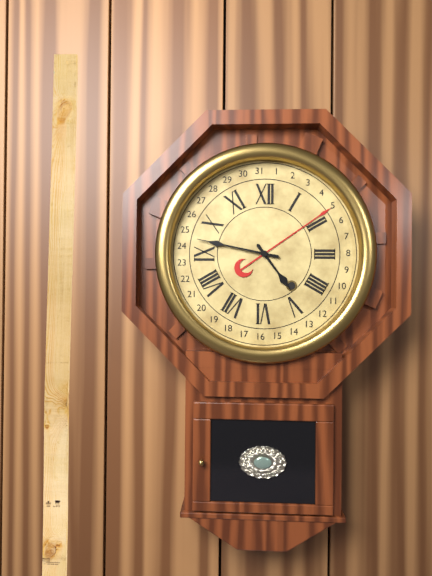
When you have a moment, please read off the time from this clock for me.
4:47
